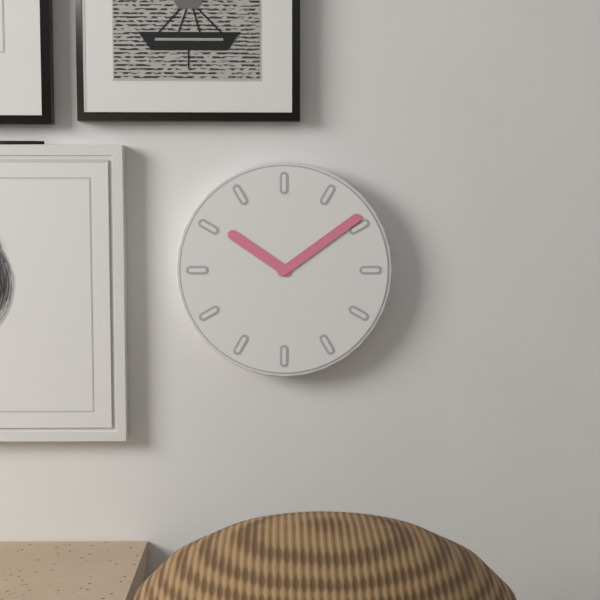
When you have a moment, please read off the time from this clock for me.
10:09
